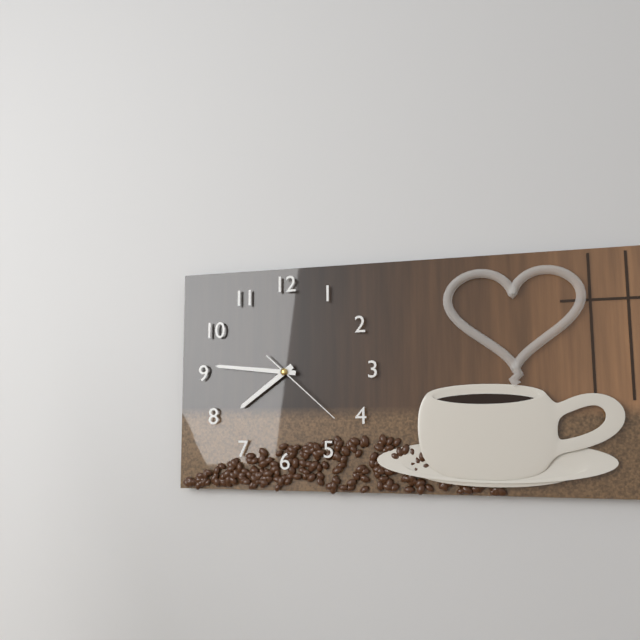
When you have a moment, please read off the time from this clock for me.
7:46:22
